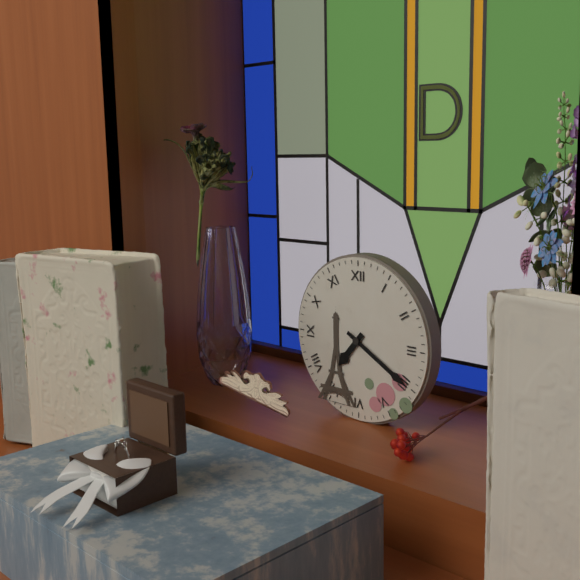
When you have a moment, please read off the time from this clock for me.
7:20
